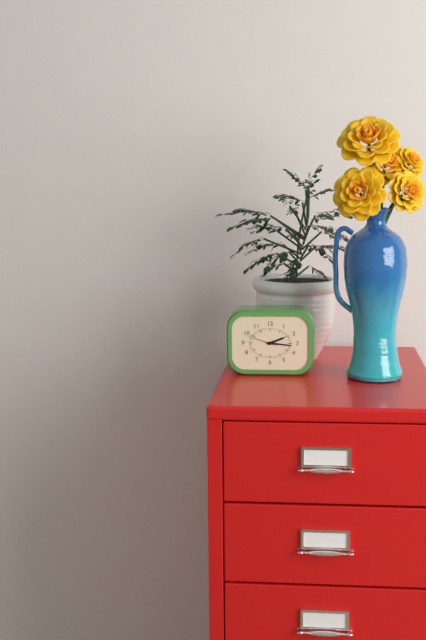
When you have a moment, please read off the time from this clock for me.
2:16
